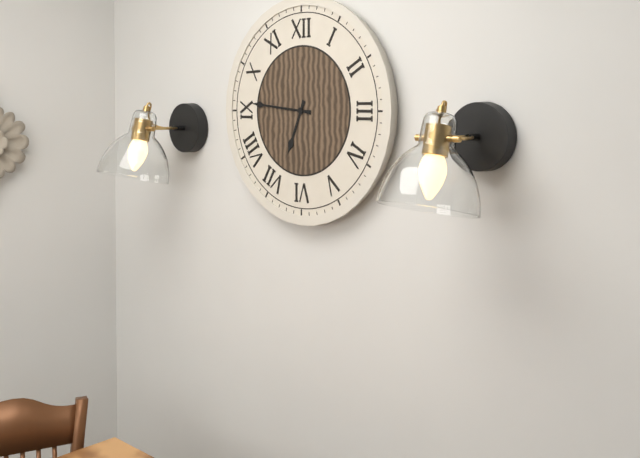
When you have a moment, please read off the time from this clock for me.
6:46
